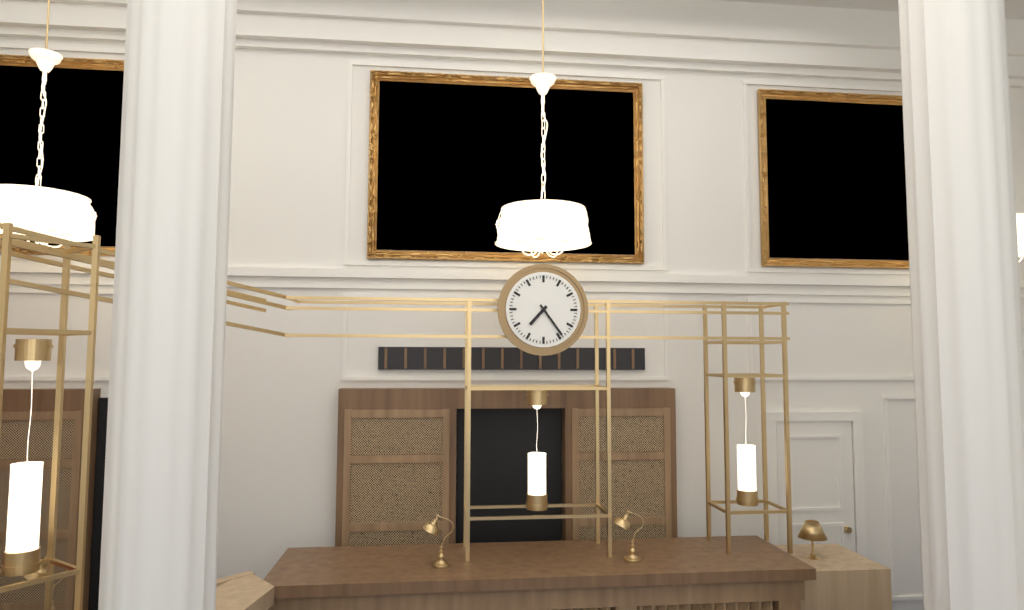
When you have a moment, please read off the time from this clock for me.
7:24
